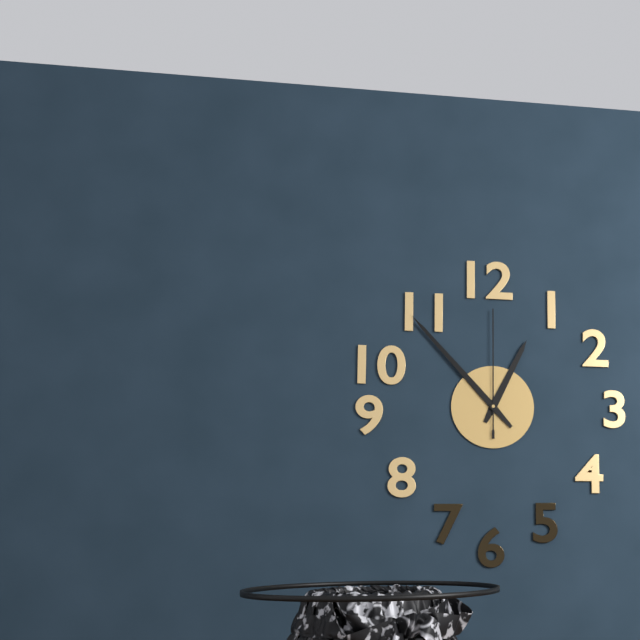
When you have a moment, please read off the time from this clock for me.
12:53:00
